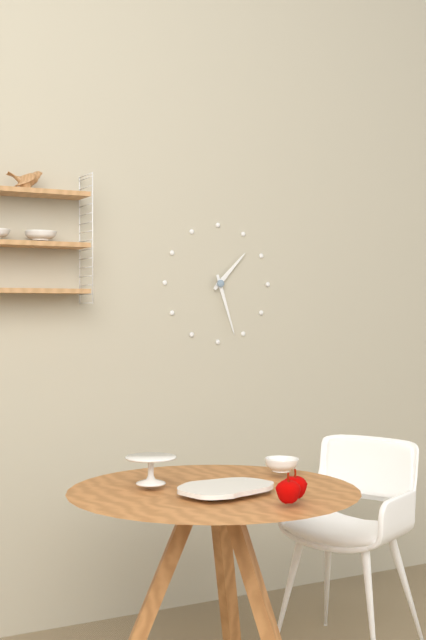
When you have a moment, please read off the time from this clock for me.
1:27
